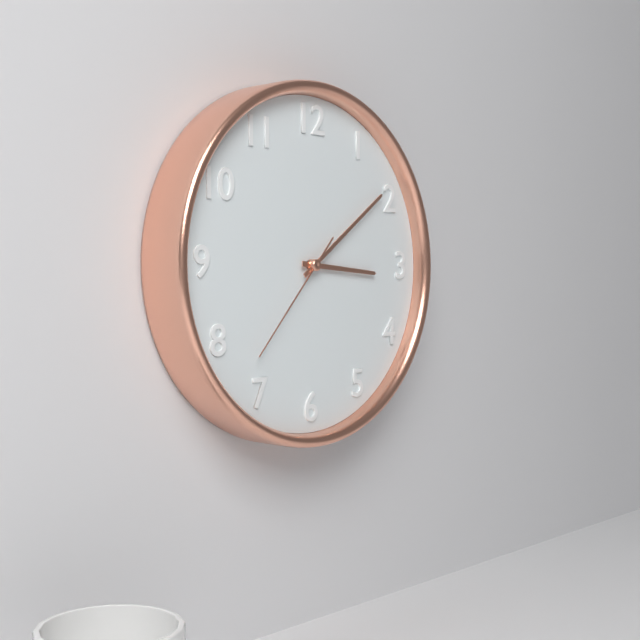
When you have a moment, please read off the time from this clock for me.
3:09:37
